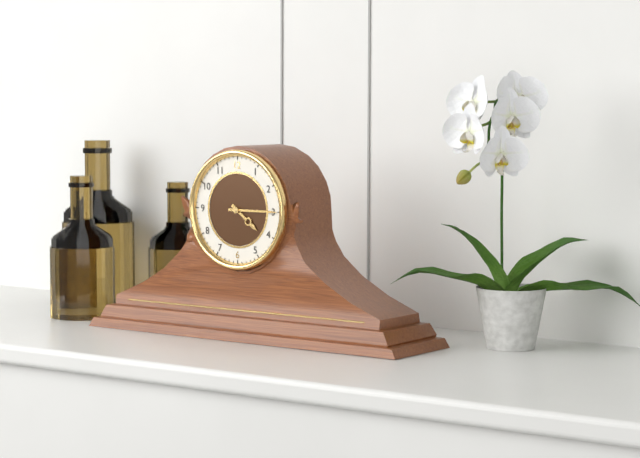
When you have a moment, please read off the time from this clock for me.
4:15
